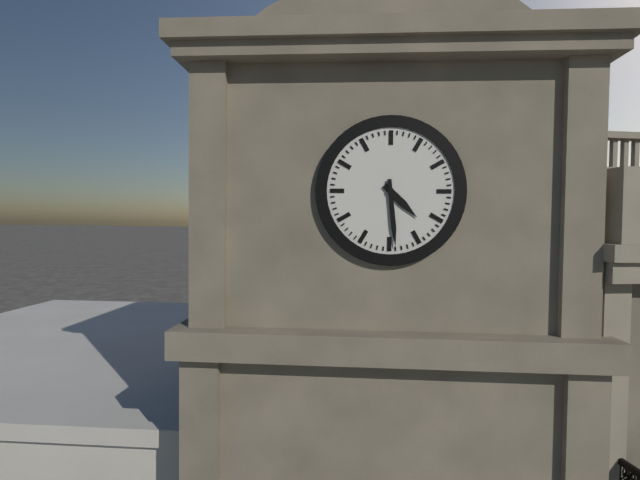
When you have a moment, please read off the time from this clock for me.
4:29
